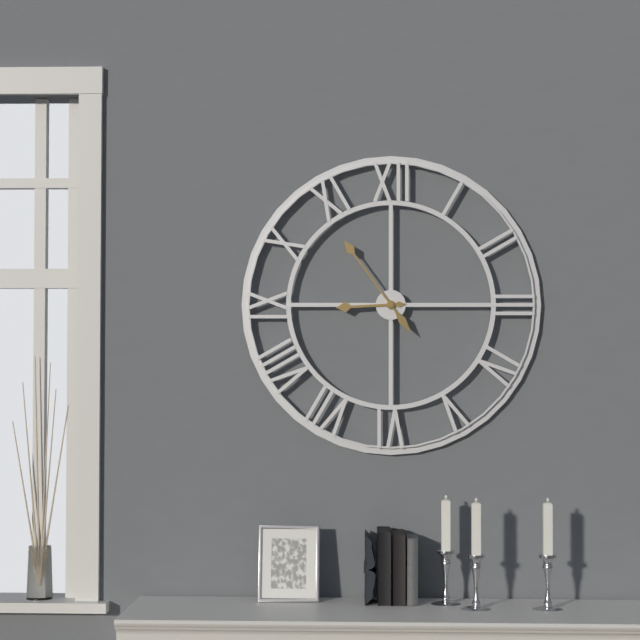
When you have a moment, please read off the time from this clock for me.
8:54
